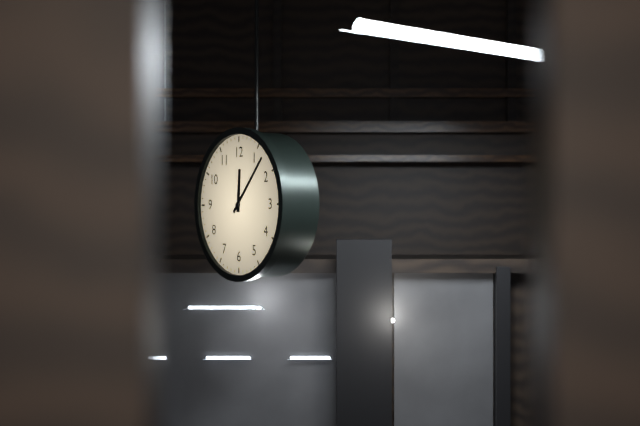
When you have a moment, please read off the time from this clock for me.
12:07
